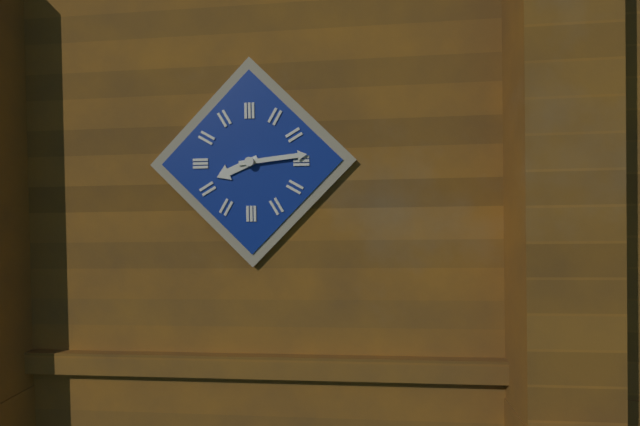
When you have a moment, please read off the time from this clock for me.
8:14
